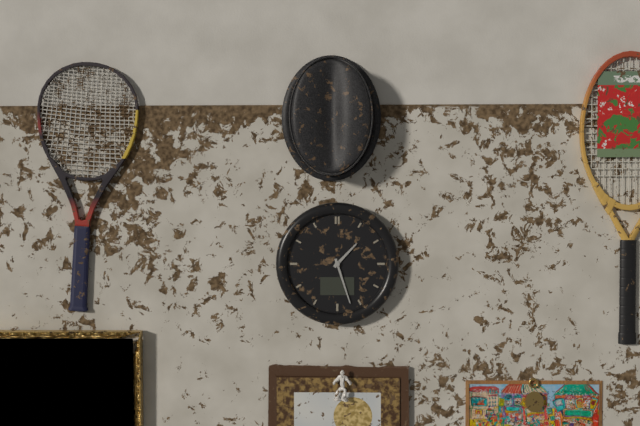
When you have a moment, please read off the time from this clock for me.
1:27
